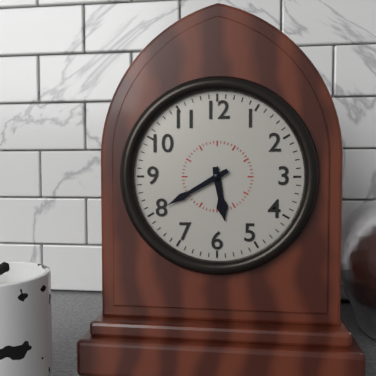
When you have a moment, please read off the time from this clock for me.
5:40
